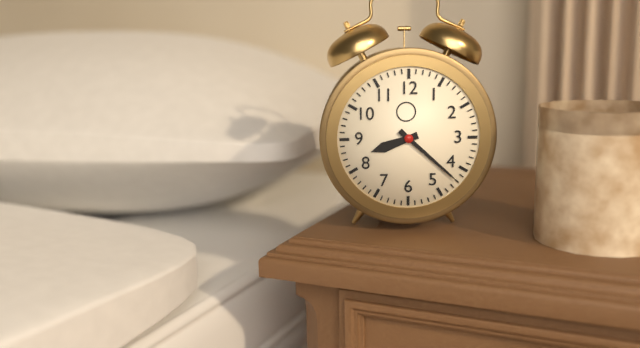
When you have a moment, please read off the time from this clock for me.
8:22
